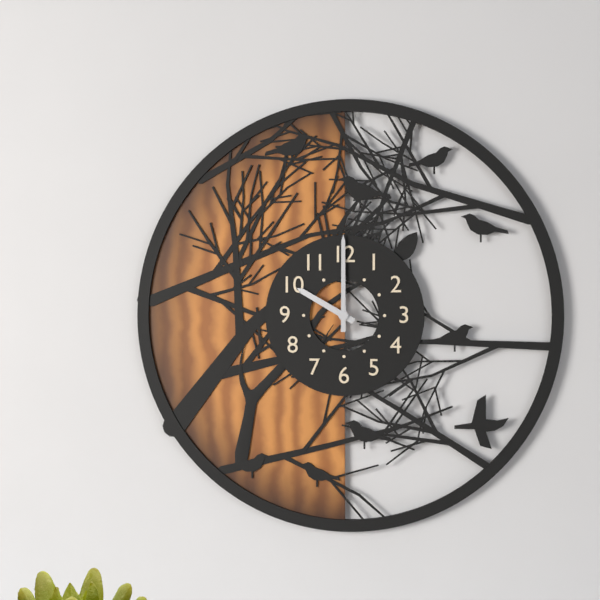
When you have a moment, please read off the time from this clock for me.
10:00
